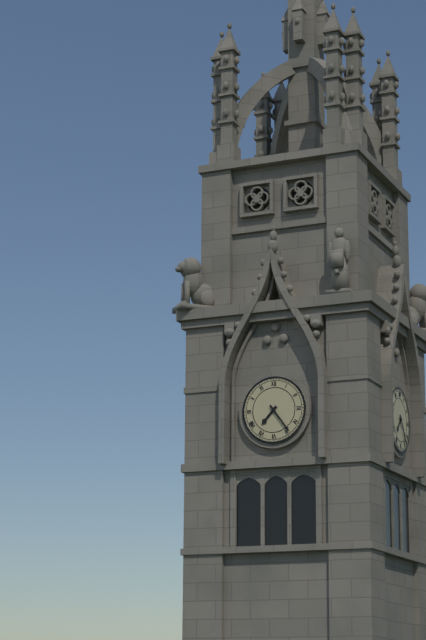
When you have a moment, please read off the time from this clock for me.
7:24
